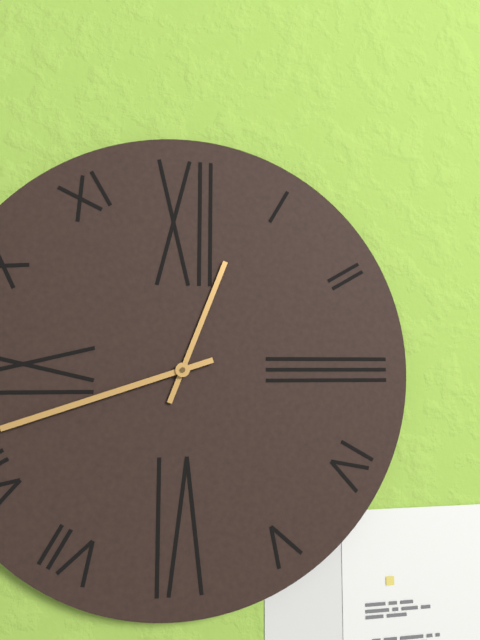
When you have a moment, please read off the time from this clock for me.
12:42
